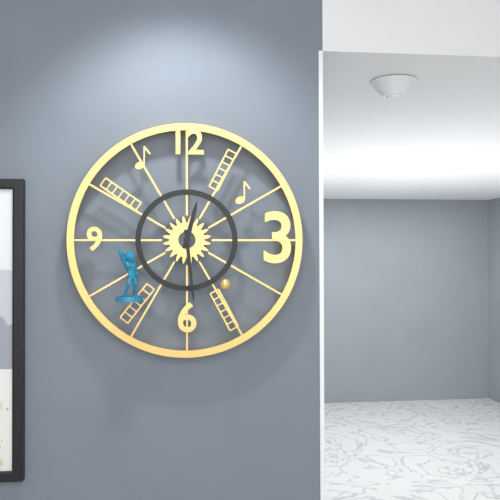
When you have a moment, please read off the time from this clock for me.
12:29
